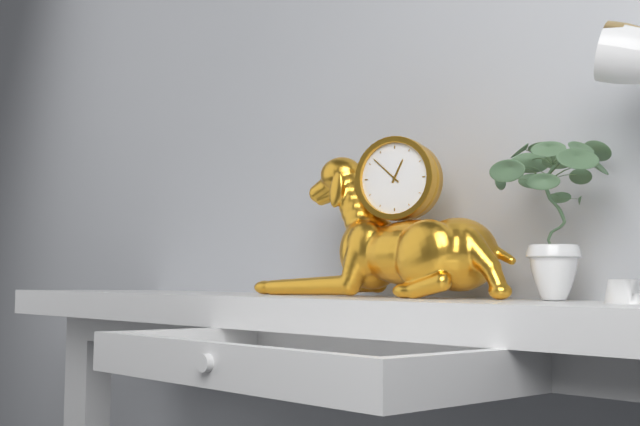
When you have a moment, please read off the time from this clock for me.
12:52
